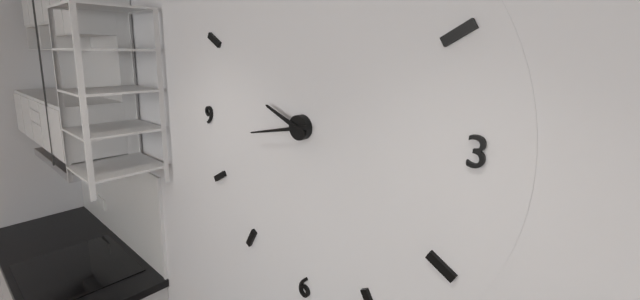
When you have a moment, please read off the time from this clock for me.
9:43
